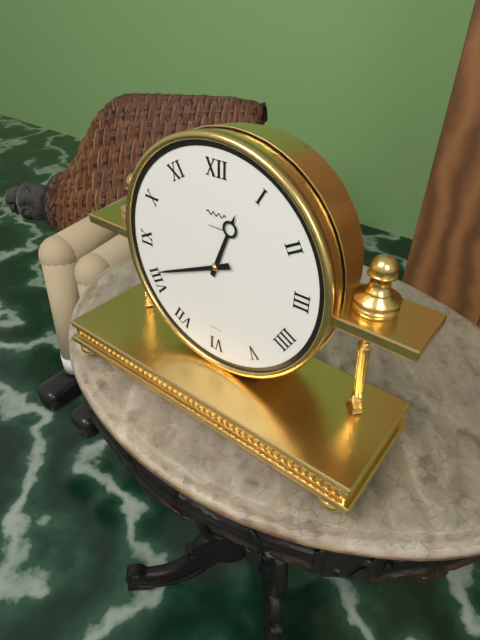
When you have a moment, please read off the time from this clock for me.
12:41
